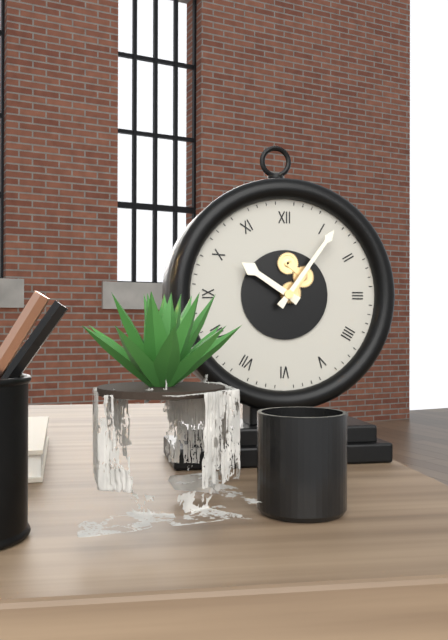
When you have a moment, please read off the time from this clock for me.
10:06
